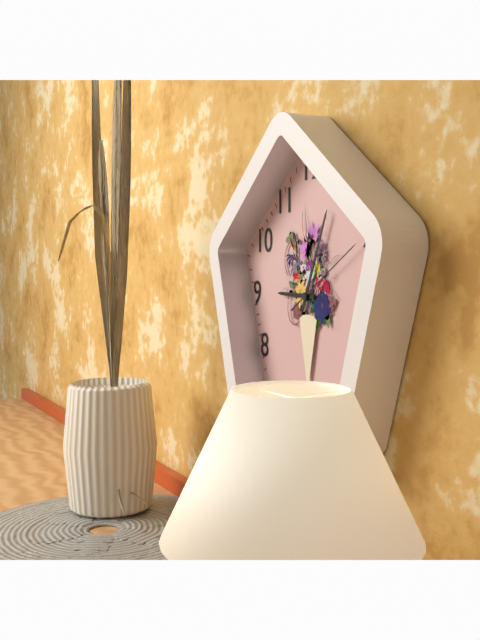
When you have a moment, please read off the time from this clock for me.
9:04:10
